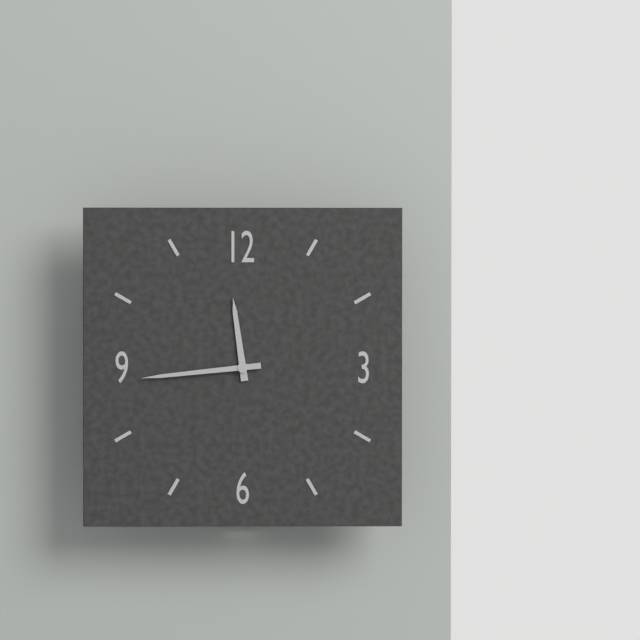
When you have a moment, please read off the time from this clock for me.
11:44
